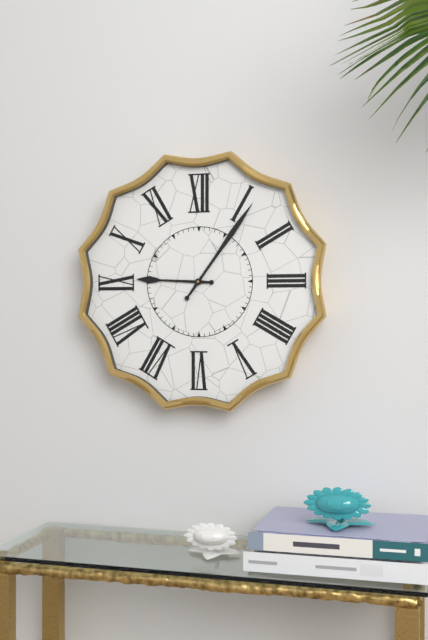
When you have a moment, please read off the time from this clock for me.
9:06
